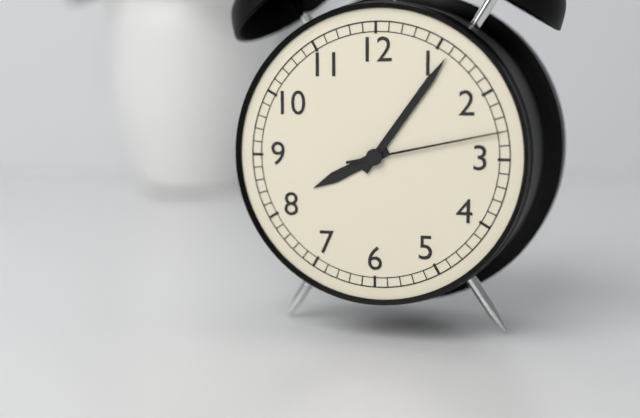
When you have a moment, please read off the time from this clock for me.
8:06:13
